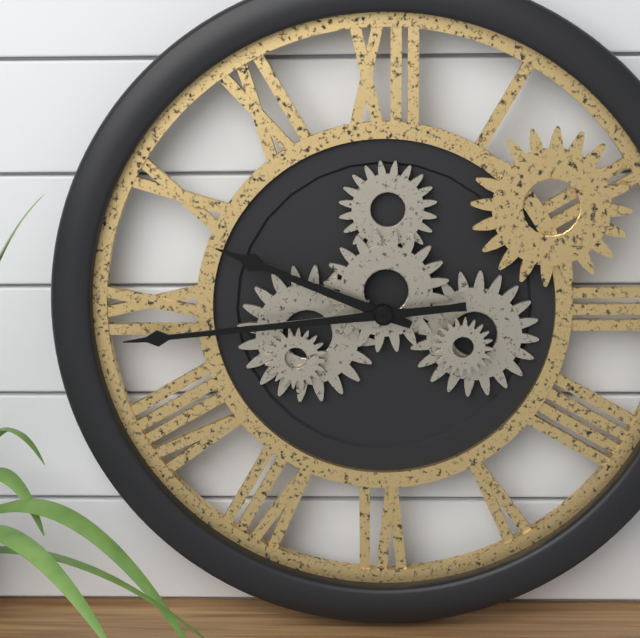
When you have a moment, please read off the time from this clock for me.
9:44
